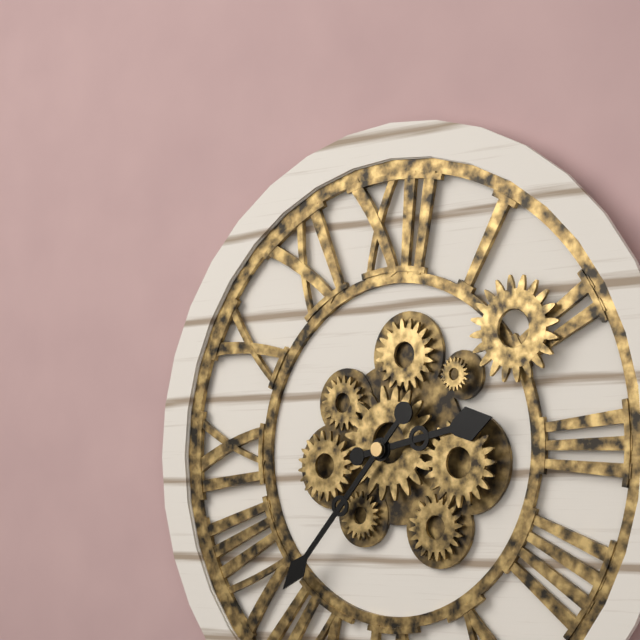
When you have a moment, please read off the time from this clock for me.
2:37
